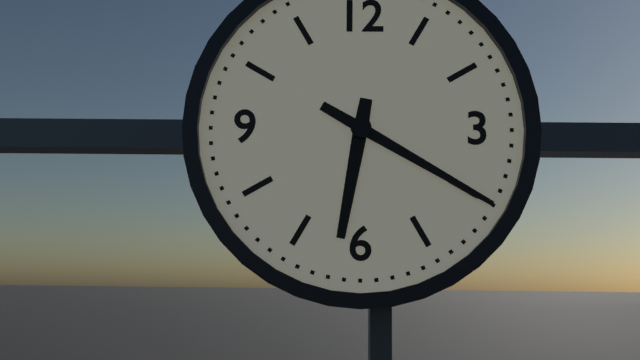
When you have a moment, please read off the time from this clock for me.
6:20
